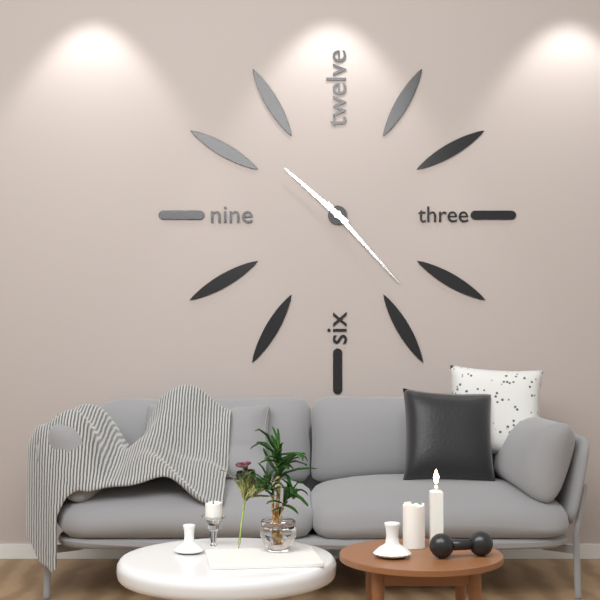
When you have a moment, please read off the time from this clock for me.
10:23
